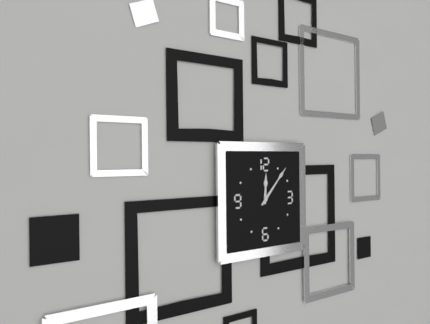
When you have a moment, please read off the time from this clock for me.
12:07
